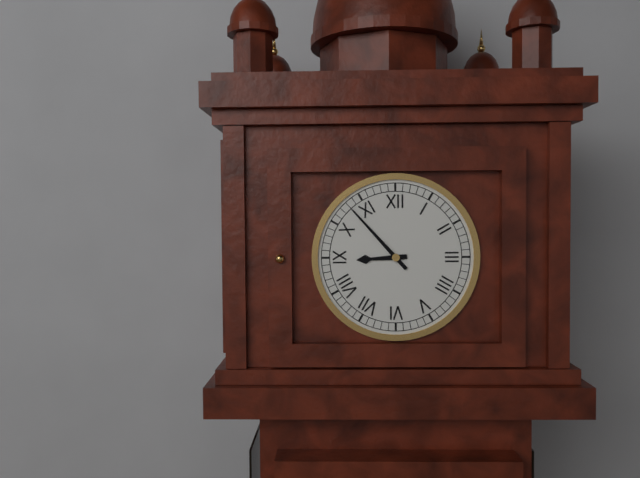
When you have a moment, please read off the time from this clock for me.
8:53
